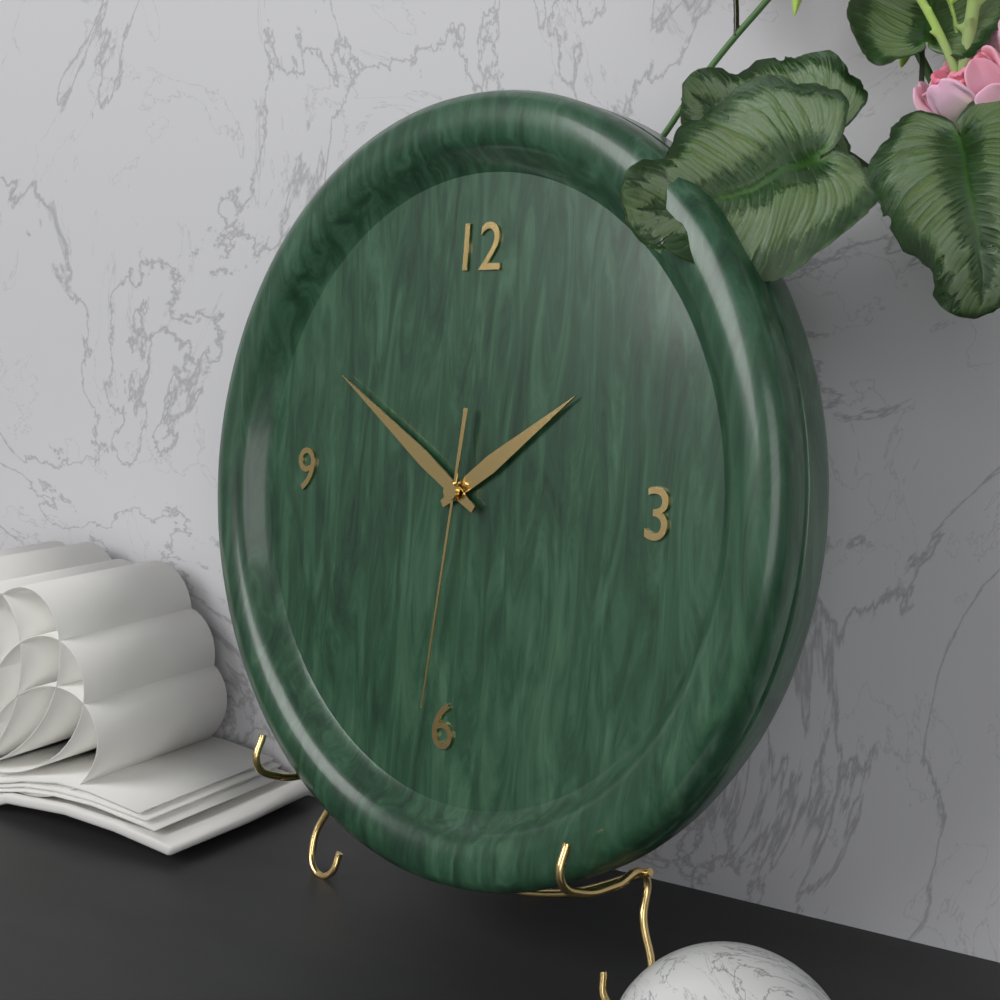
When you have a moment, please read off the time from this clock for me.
1:50:31
